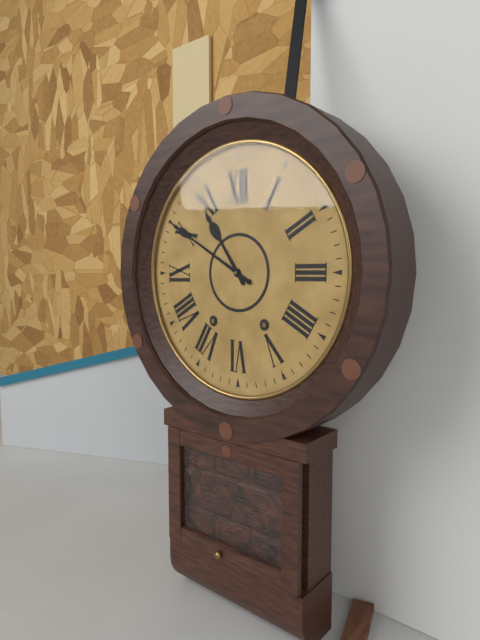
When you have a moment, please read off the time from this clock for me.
10:50
